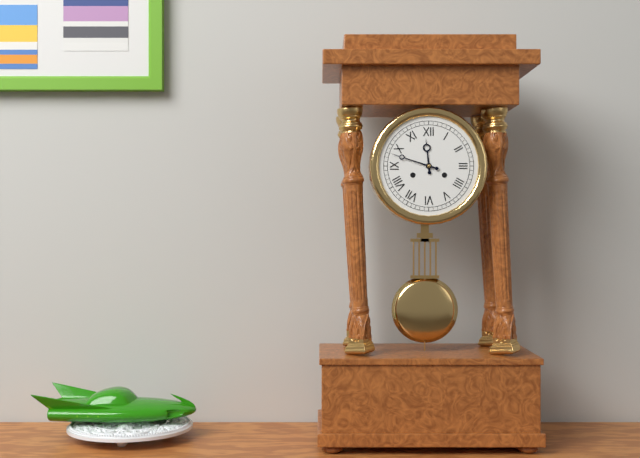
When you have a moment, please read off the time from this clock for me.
11:48
